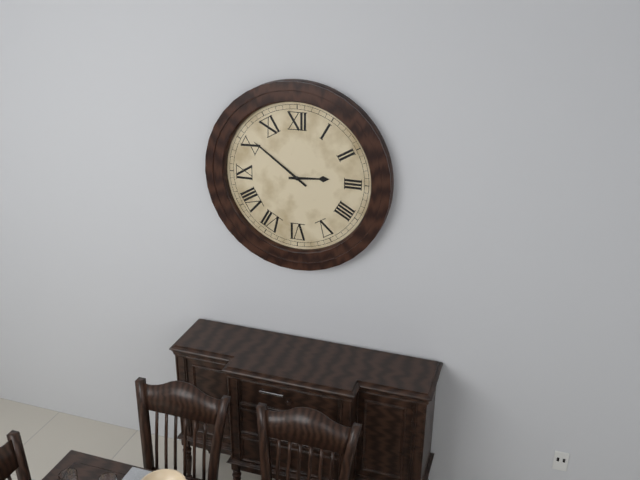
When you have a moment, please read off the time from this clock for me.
2:51
